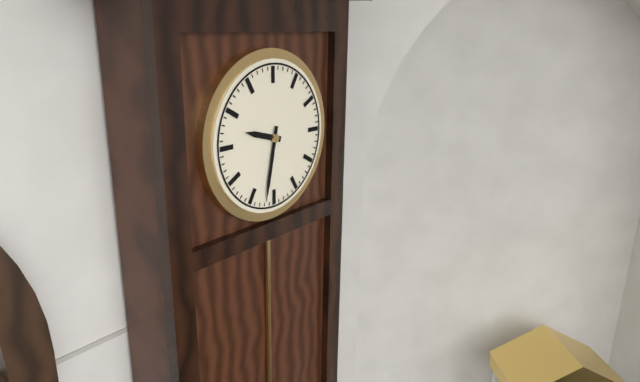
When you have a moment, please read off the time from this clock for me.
9:32
